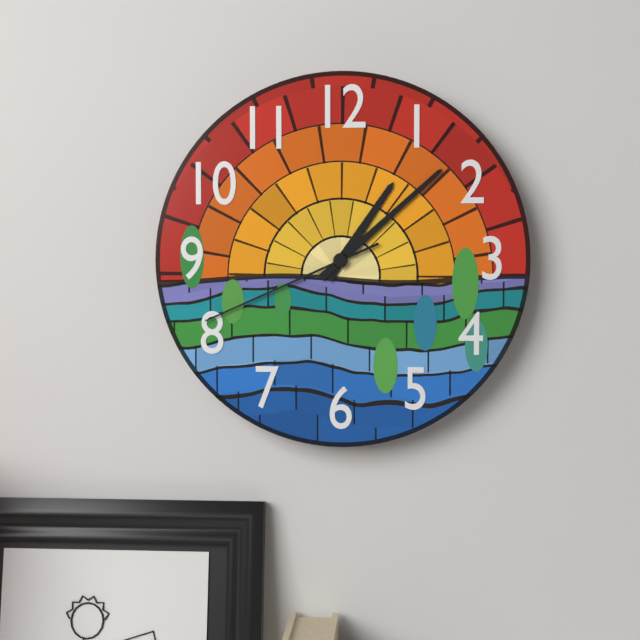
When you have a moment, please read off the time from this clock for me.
1:08:41
